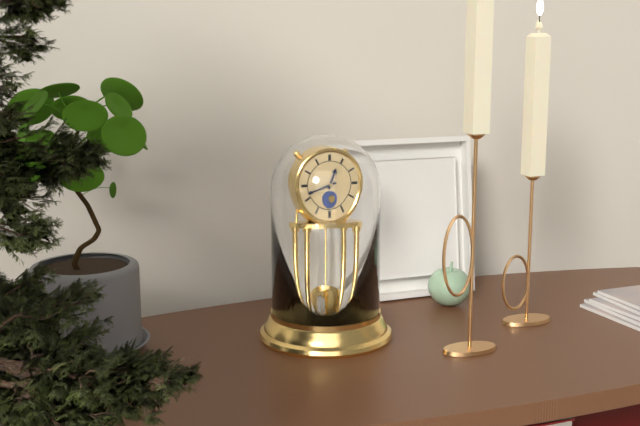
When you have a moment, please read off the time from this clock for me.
12:42
